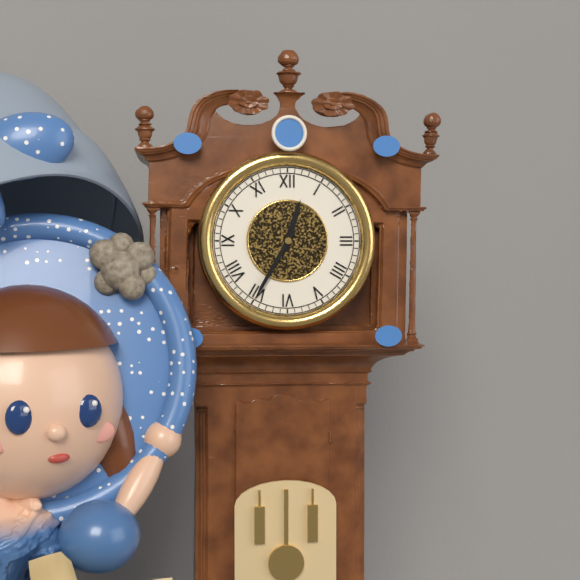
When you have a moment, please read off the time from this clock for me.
12:35
